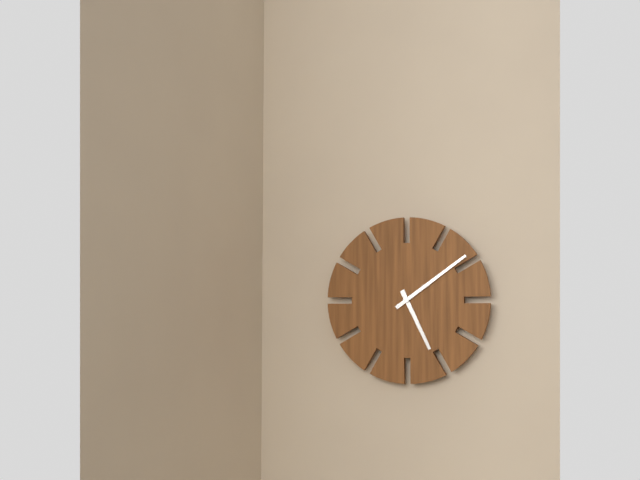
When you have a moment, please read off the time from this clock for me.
5:09
